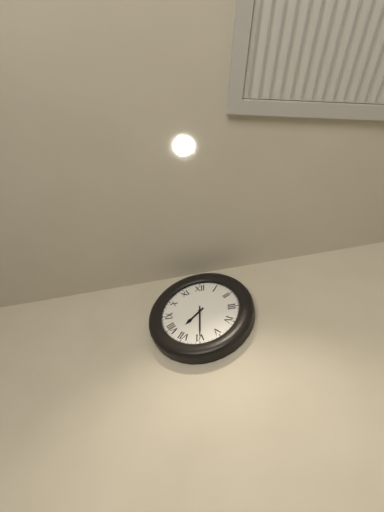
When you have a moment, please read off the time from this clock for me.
7:30
